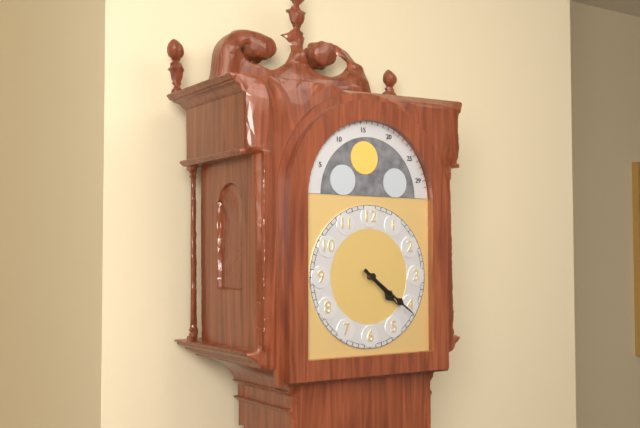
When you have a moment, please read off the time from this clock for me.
4:21
